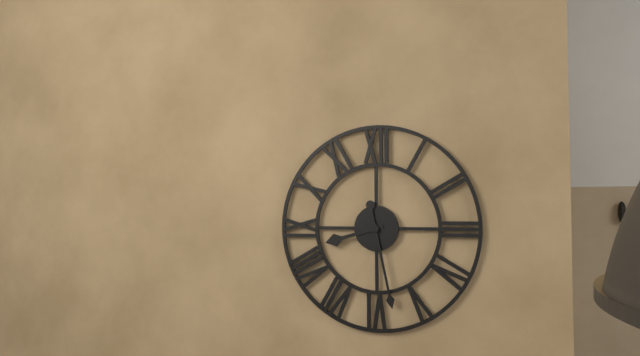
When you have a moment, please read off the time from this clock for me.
8:28
